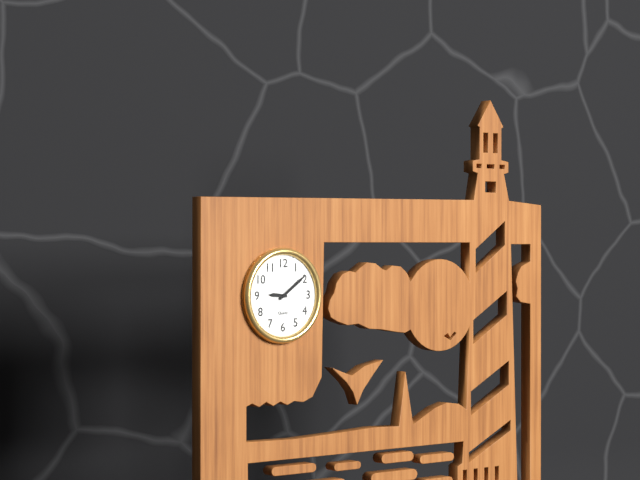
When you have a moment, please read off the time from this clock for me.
9:09
